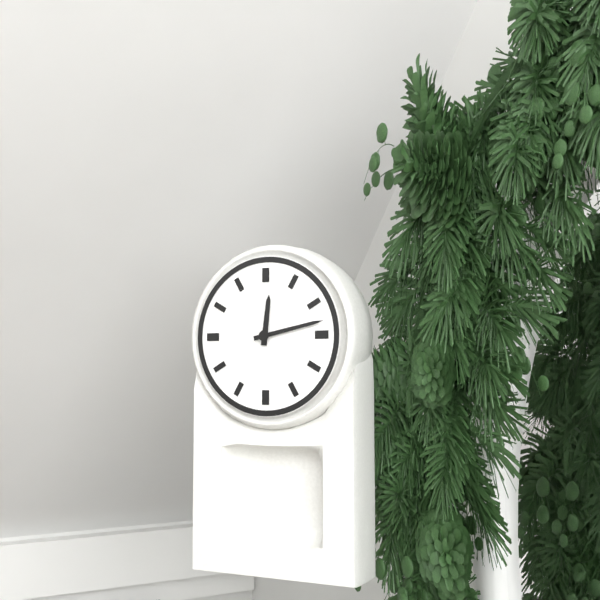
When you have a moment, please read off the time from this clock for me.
12:13
